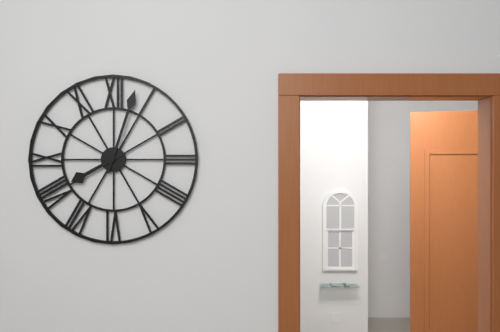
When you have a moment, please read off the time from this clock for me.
8:03
